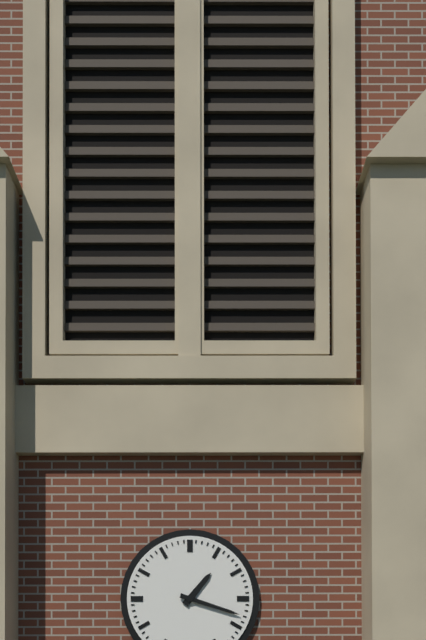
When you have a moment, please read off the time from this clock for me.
1:18
